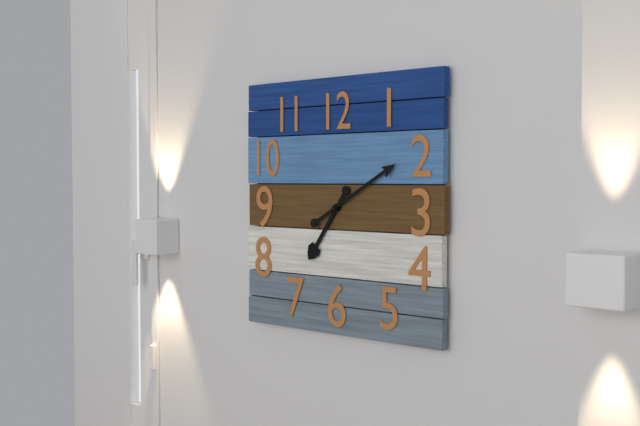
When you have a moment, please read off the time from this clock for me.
7:10
